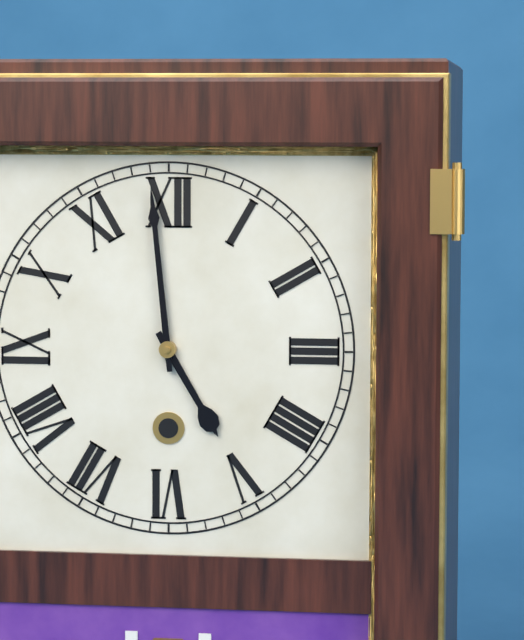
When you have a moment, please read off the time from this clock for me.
4:59
